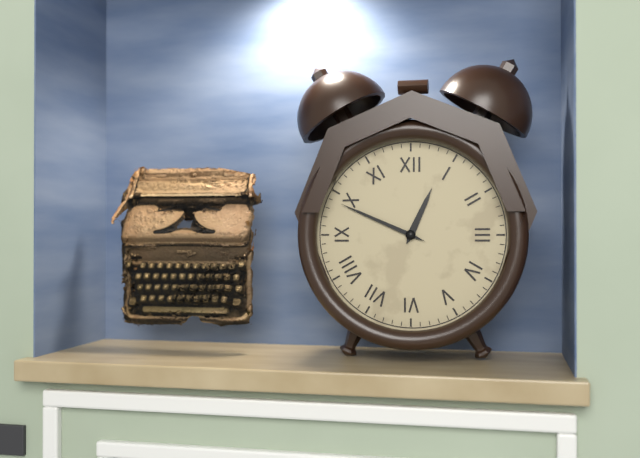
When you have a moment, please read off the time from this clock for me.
12:49
